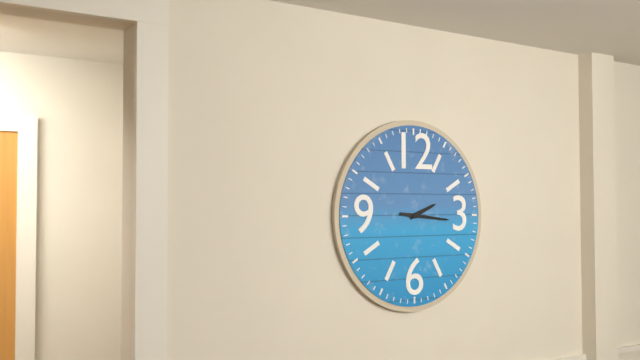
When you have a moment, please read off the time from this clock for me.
2:16
